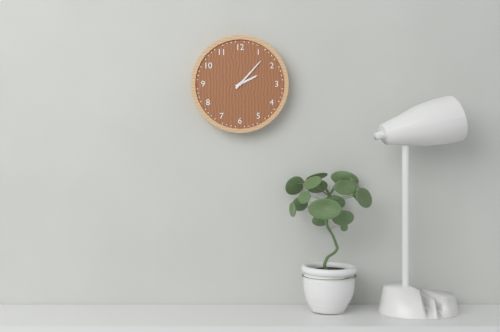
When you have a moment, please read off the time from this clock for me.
2:07
